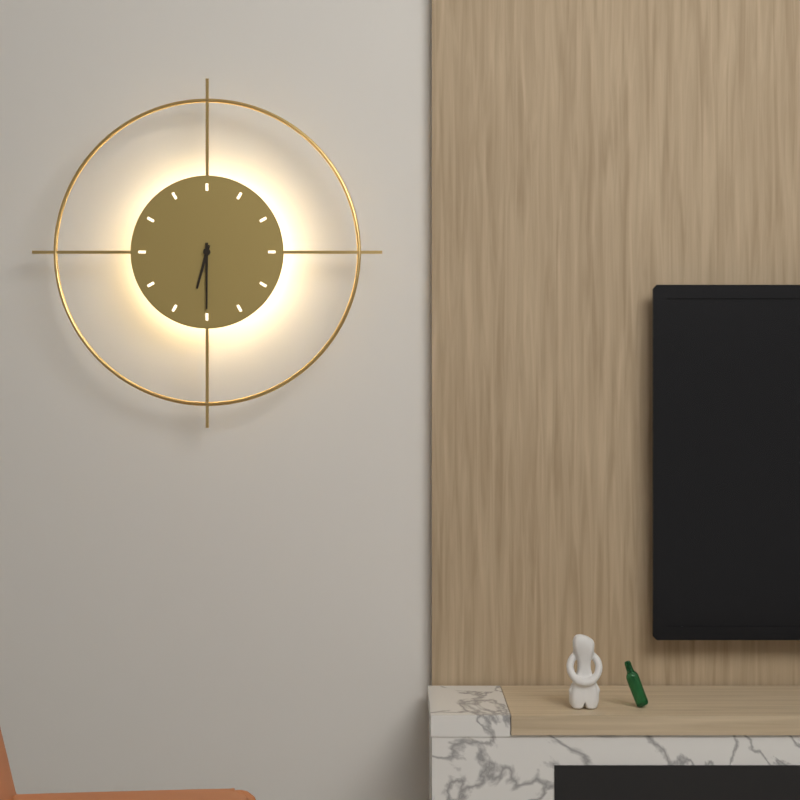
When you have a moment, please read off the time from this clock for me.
6:30
